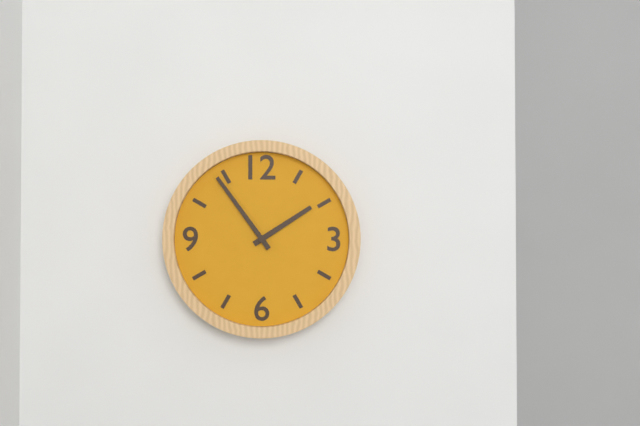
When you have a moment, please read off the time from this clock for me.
1:54
